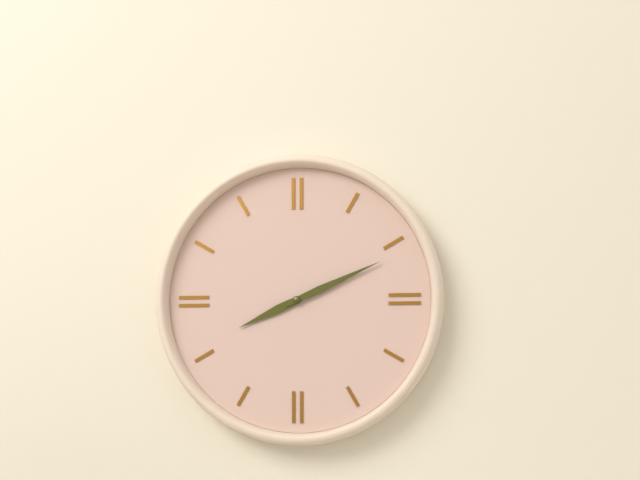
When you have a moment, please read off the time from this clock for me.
8:11
